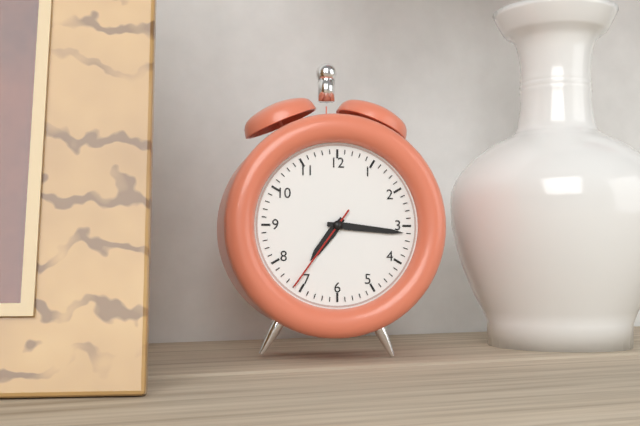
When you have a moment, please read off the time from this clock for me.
7:16:36
